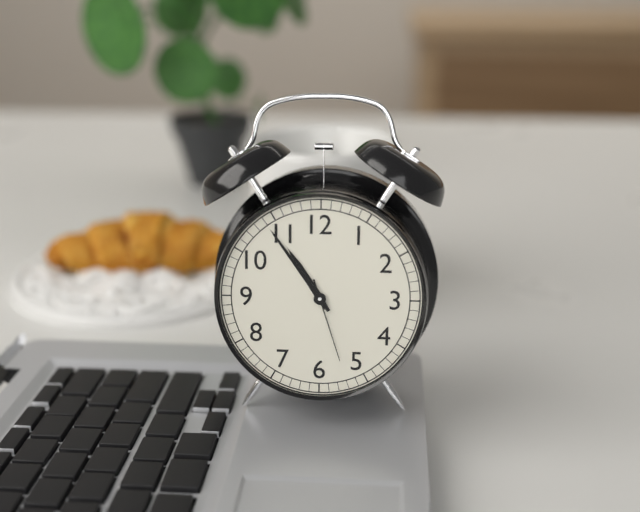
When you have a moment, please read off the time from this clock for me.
10:54:27
